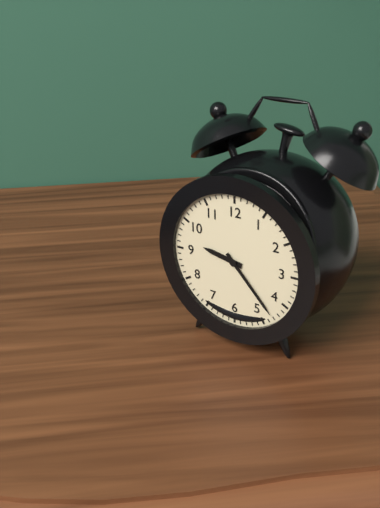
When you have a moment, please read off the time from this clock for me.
9:23
